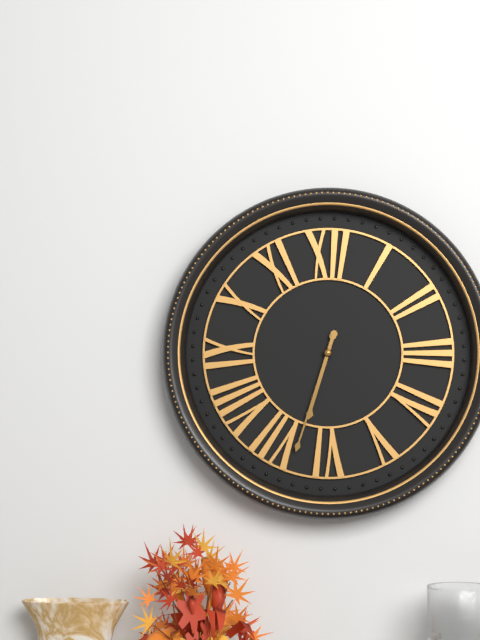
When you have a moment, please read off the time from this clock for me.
6:33
